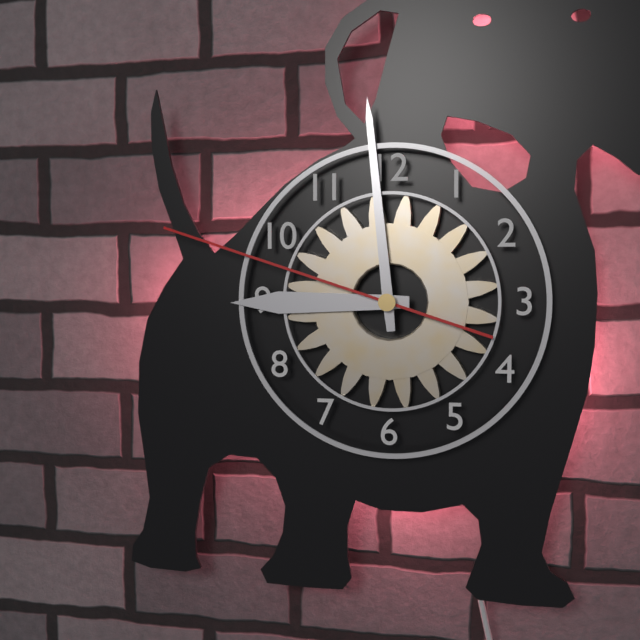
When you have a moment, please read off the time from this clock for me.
8:59:48
